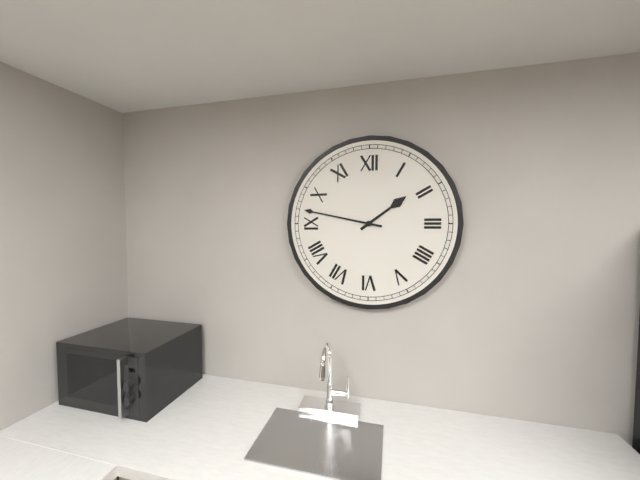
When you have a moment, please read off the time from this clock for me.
1:47
